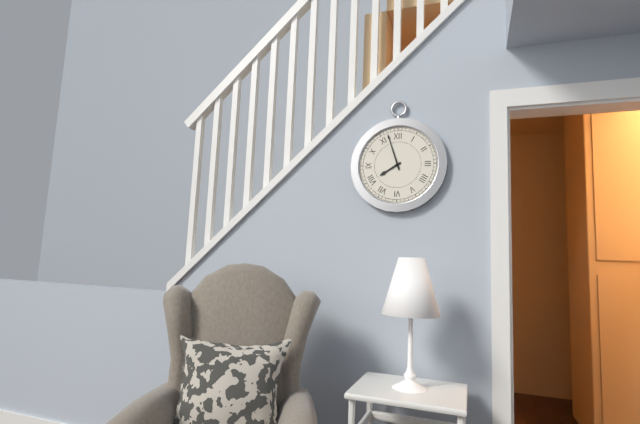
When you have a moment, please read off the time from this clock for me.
7:57
